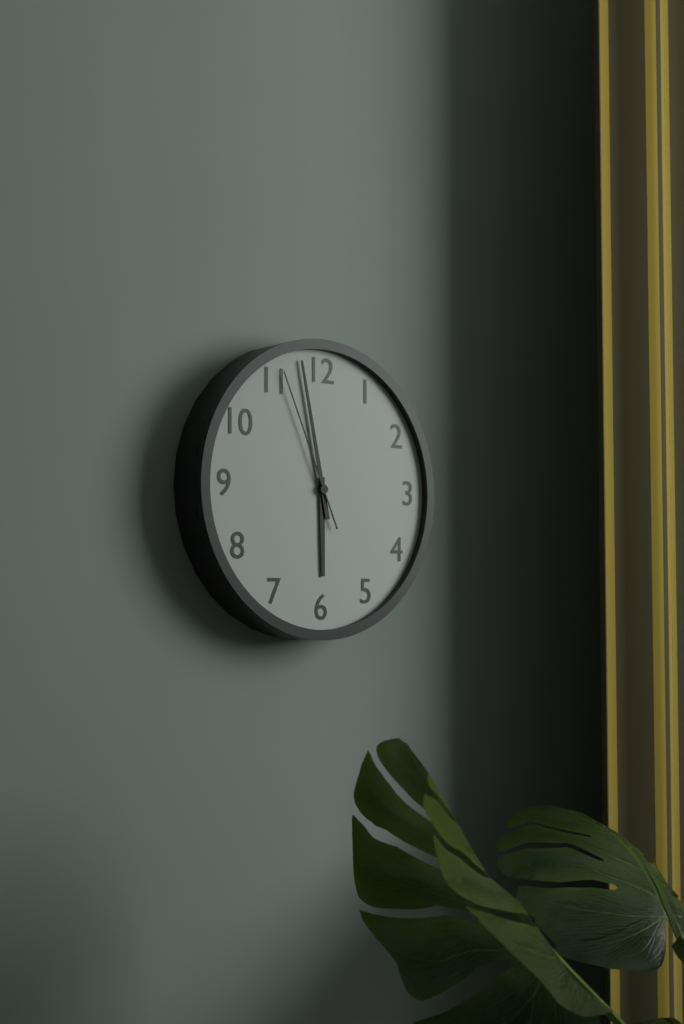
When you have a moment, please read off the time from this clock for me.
5:58:56
